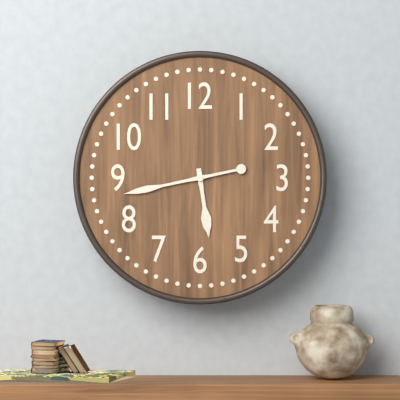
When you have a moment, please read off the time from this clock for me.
5:43
